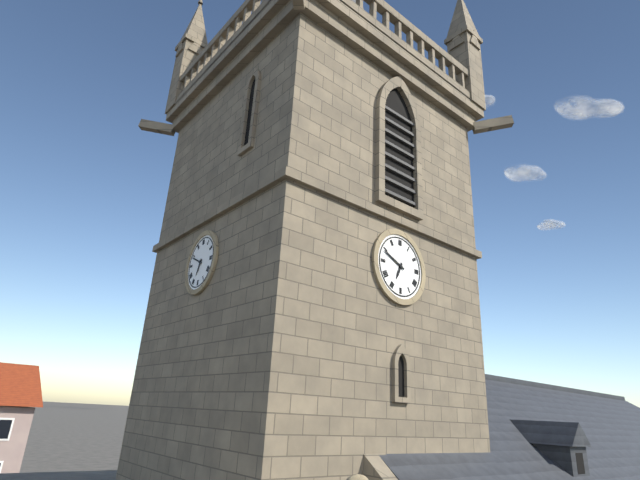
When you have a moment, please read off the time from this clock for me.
6:49
